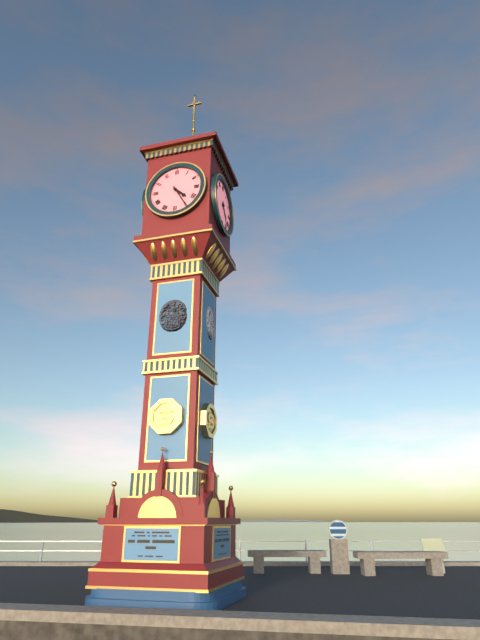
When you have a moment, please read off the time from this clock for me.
4:25
